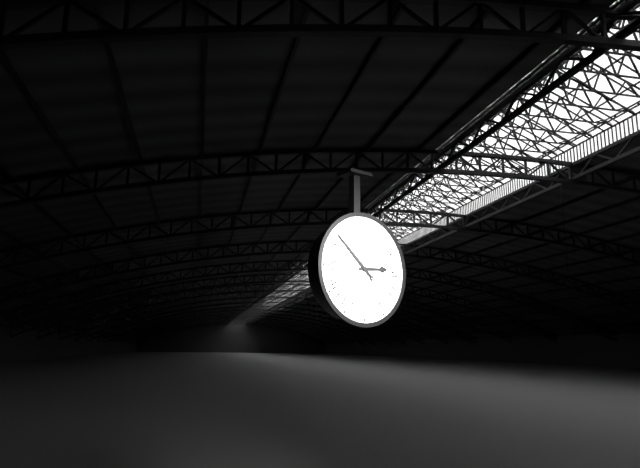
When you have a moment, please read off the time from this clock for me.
2:52
